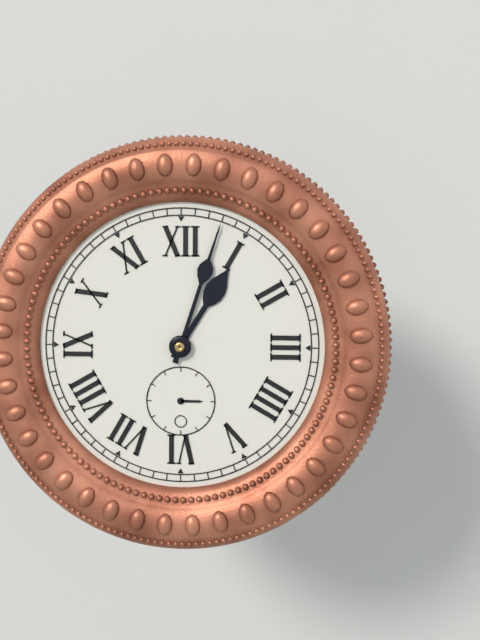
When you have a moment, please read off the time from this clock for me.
1:03
